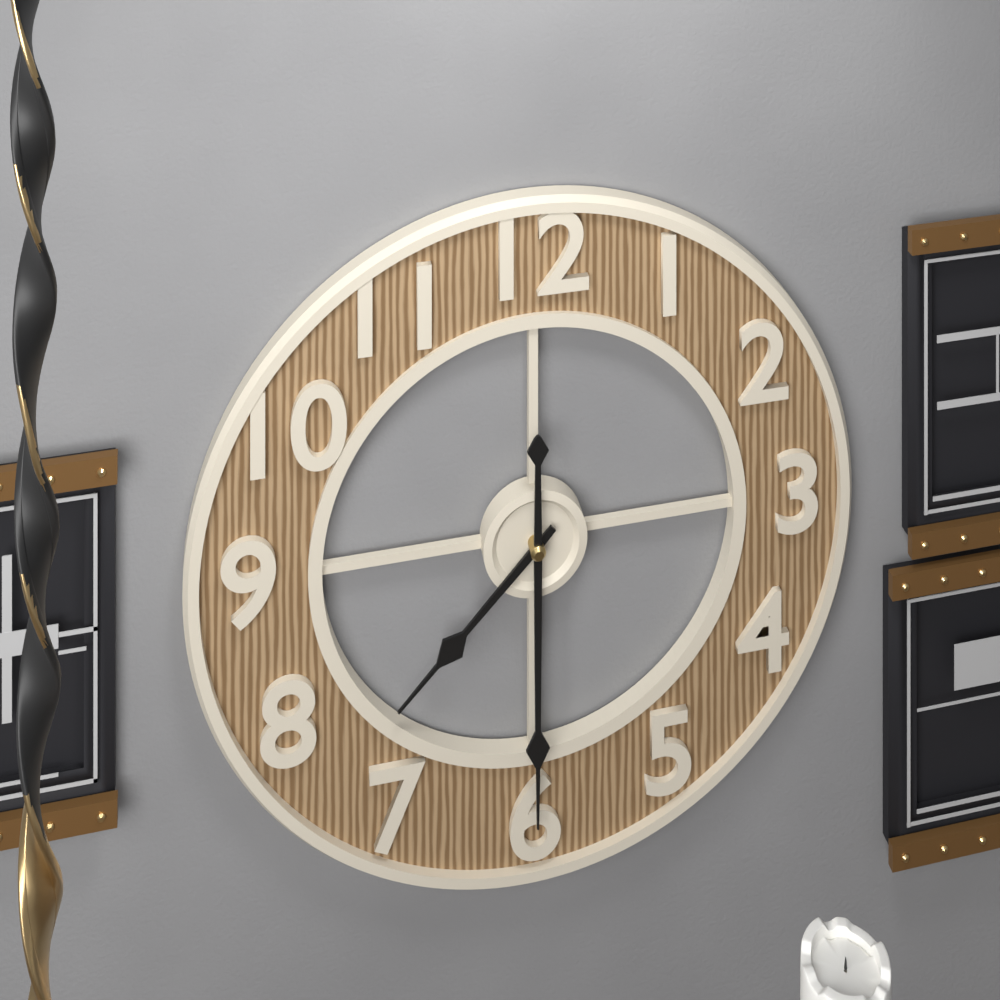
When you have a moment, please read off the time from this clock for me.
7:30
